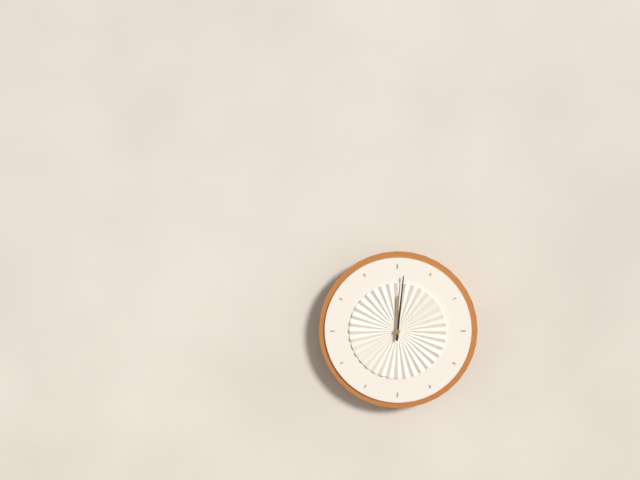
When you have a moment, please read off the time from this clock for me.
12:01
